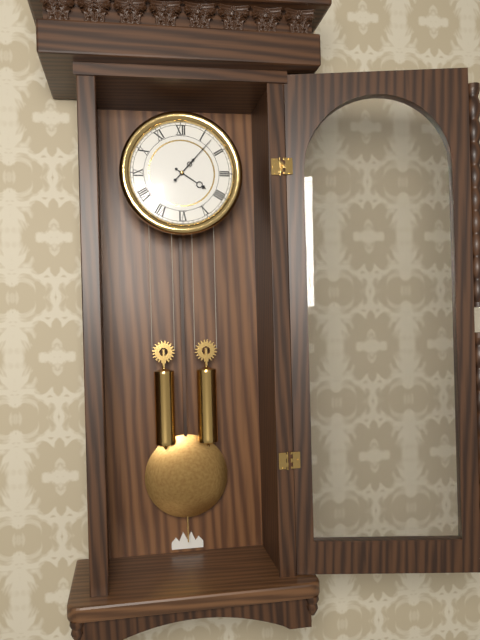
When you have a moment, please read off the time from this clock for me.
4:07
